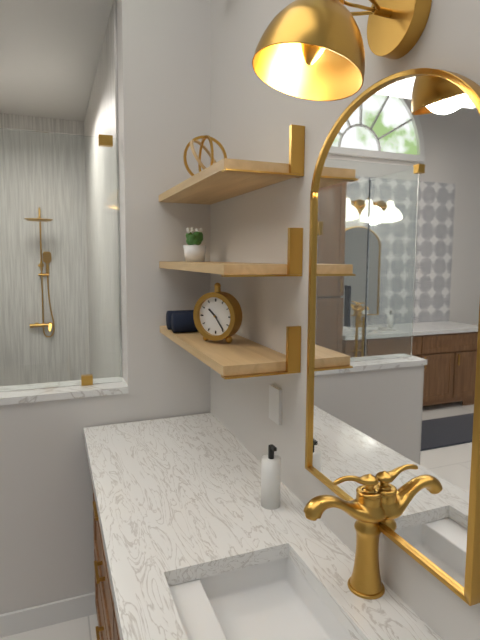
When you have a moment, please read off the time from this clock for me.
10:24
